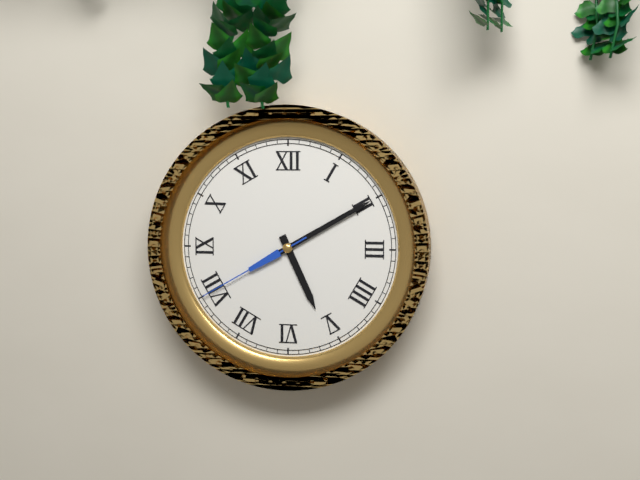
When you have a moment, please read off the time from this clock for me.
5:10:40
